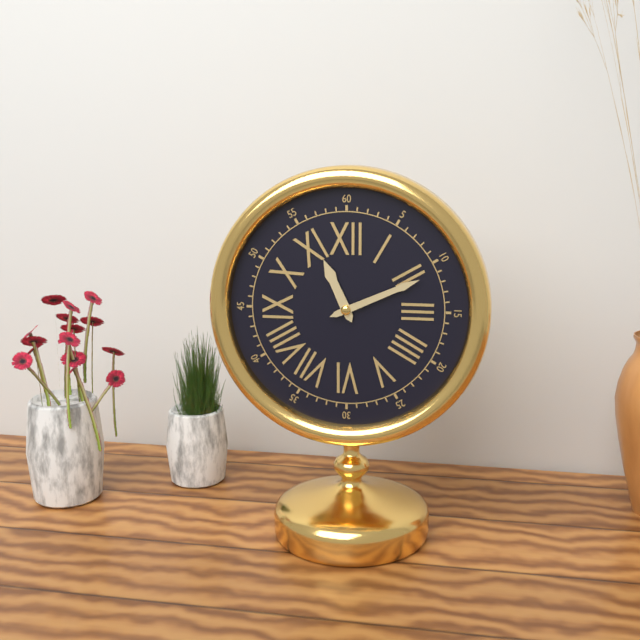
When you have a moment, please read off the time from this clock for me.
11:11
